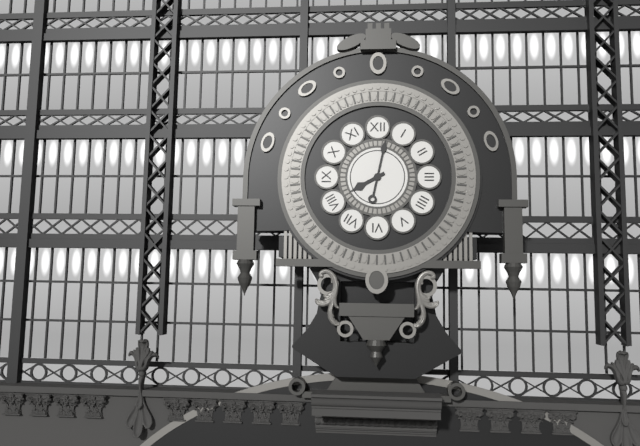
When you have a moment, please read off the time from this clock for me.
8:02
